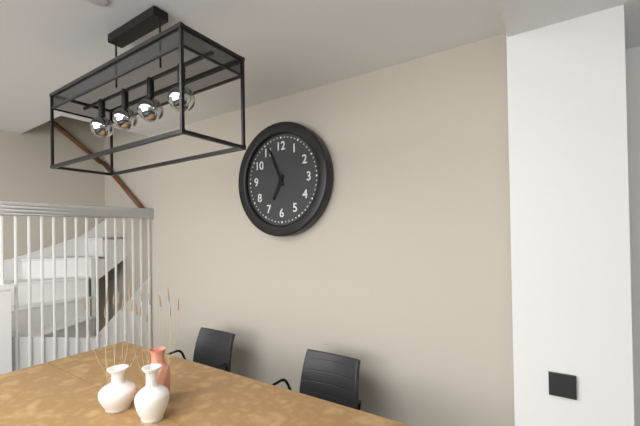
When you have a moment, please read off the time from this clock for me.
6:56
